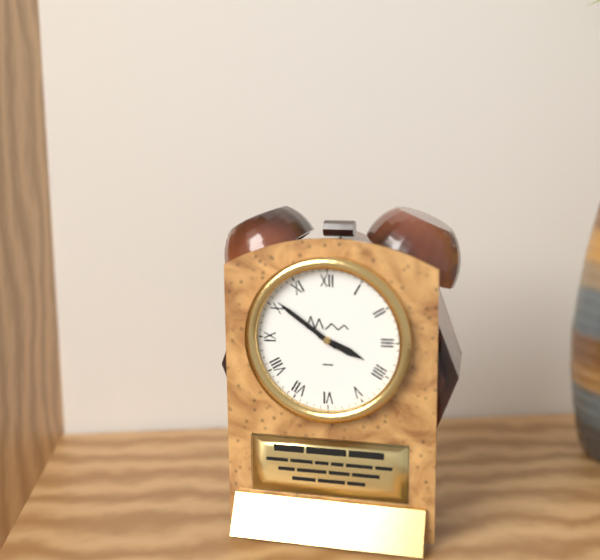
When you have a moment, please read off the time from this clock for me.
3:51
